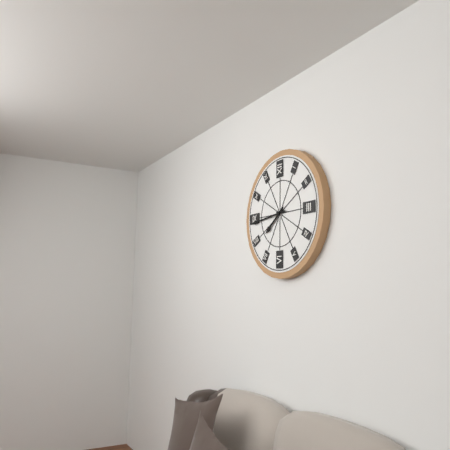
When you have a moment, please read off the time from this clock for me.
7:44
